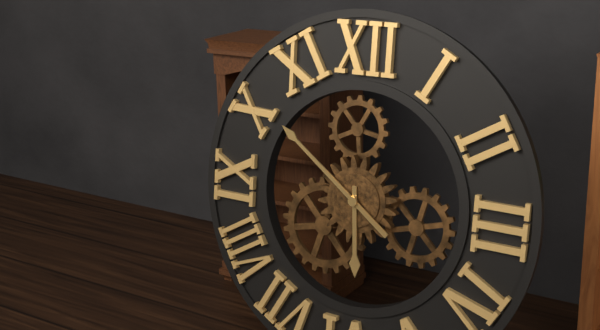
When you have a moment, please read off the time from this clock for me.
5:51
